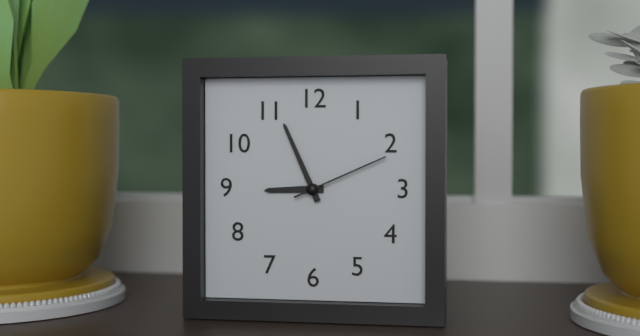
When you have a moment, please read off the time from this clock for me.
8:56:11
